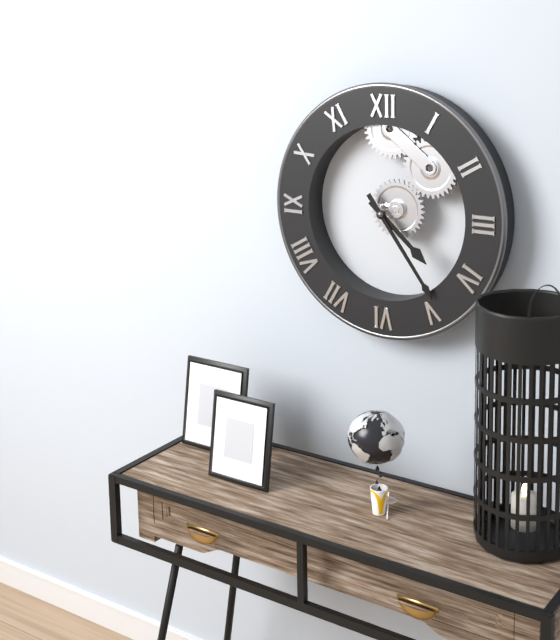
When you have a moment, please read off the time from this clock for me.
4:24
